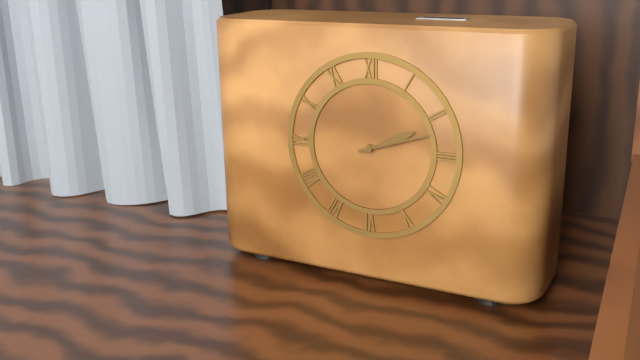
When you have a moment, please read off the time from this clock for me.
2:12
